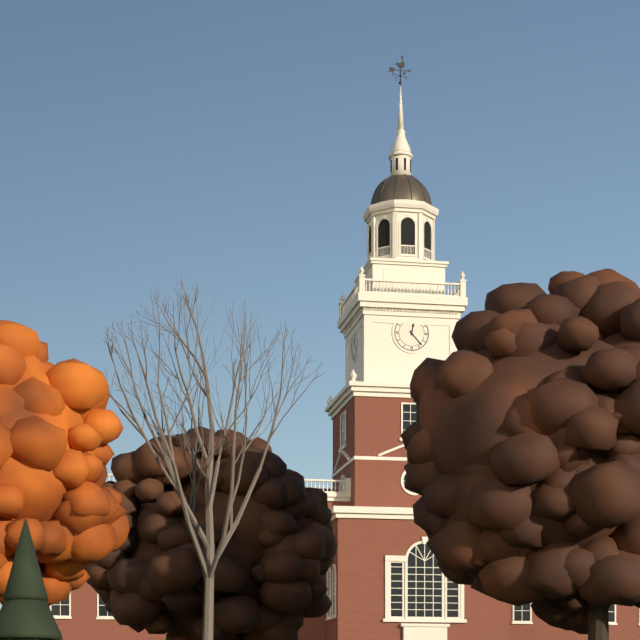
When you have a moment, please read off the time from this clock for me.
12:23
